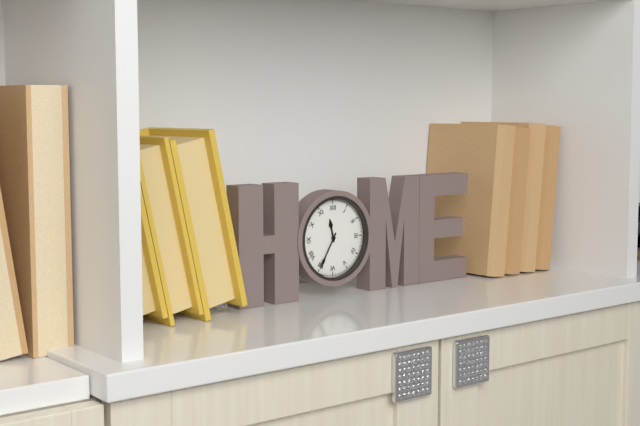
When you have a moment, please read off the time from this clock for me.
11:35
